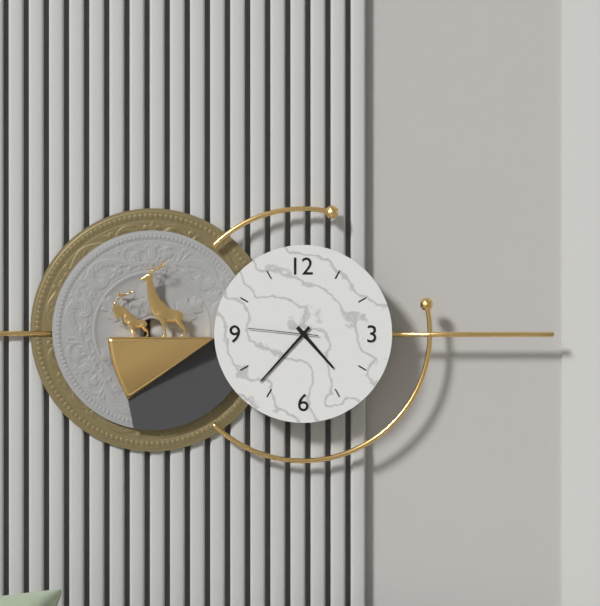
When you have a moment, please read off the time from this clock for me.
4:37:46
